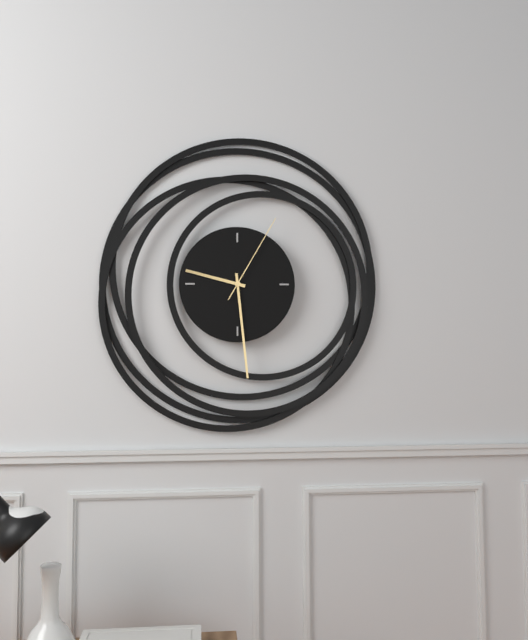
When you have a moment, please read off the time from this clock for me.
9:29:05
